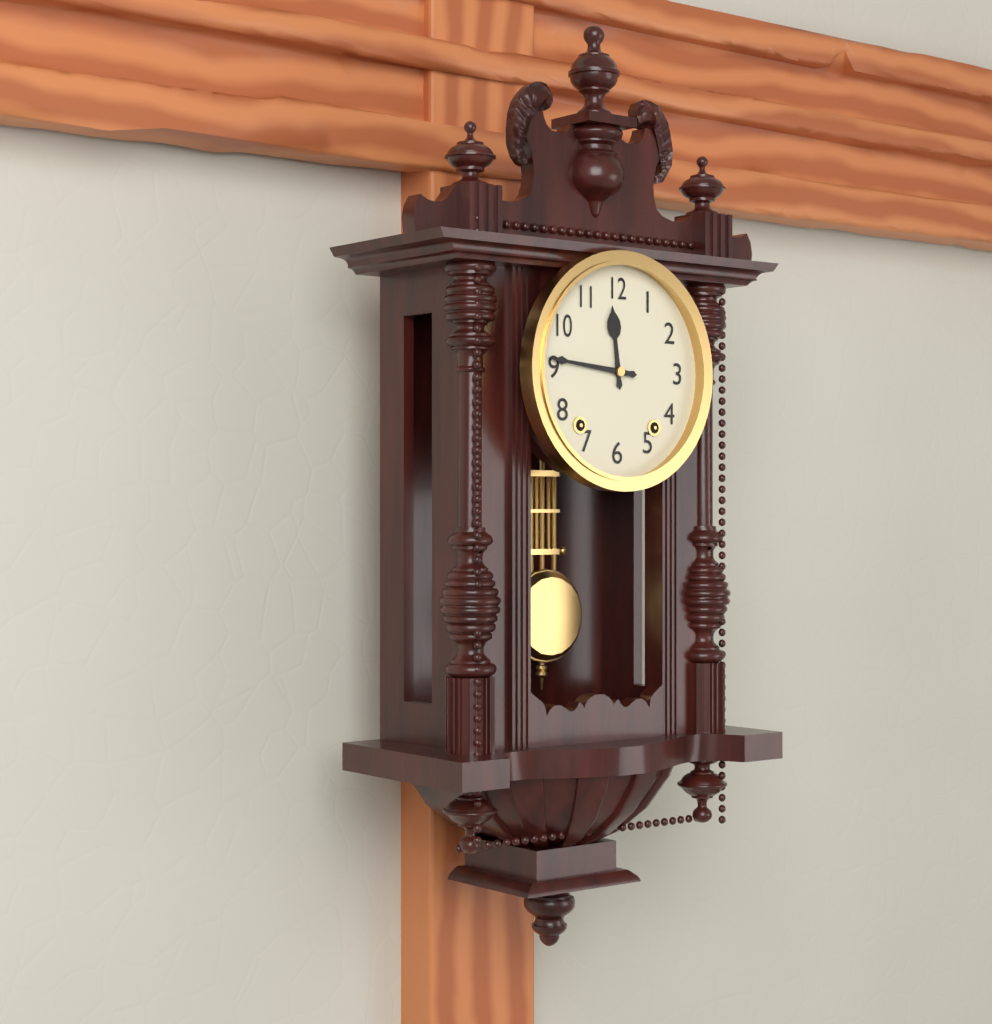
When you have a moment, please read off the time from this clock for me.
11:46
